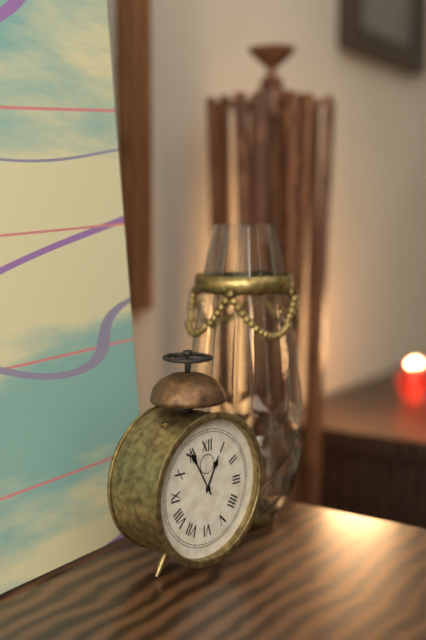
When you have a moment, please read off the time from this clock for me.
12:55
